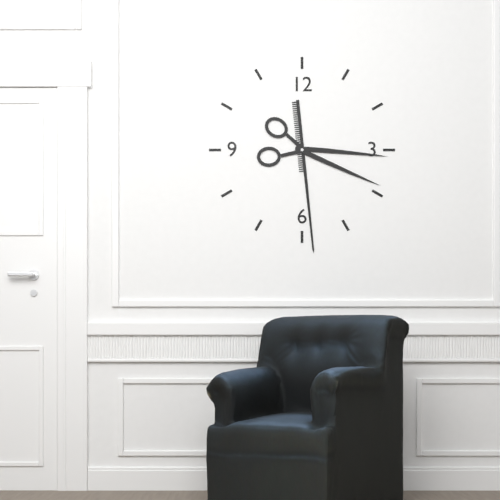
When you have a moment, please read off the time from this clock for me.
3:29
